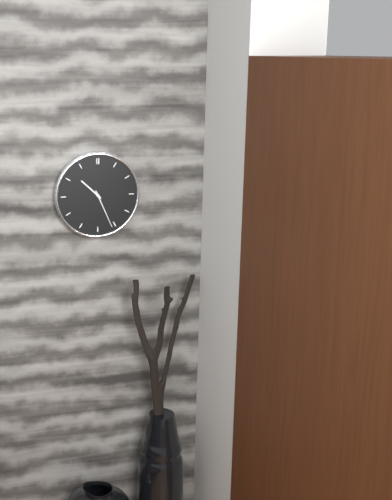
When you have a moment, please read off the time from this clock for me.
10:26
